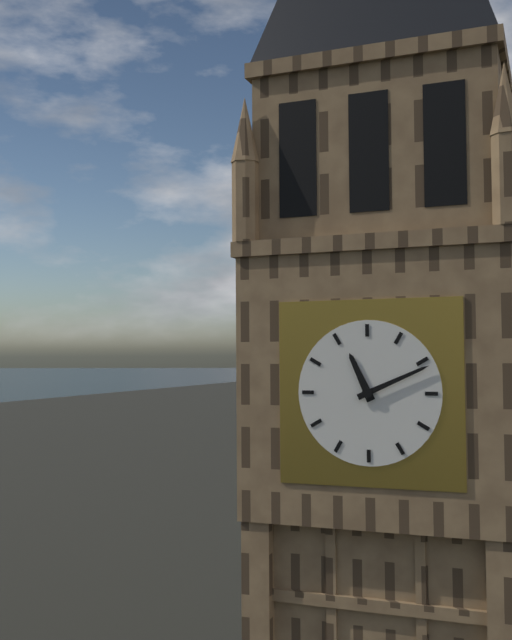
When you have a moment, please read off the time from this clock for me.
11:11
